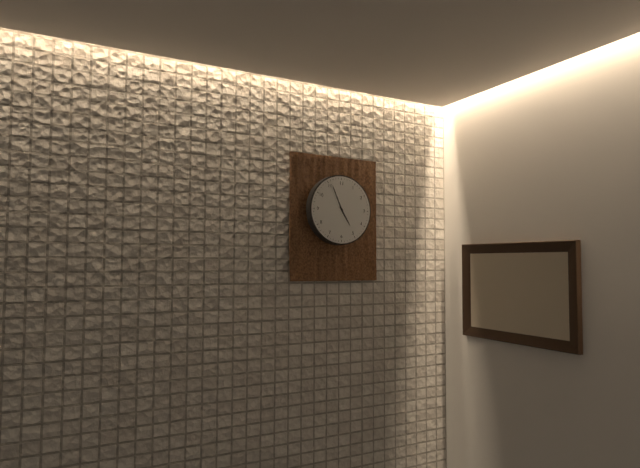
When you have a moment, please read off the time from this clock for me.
4:56
